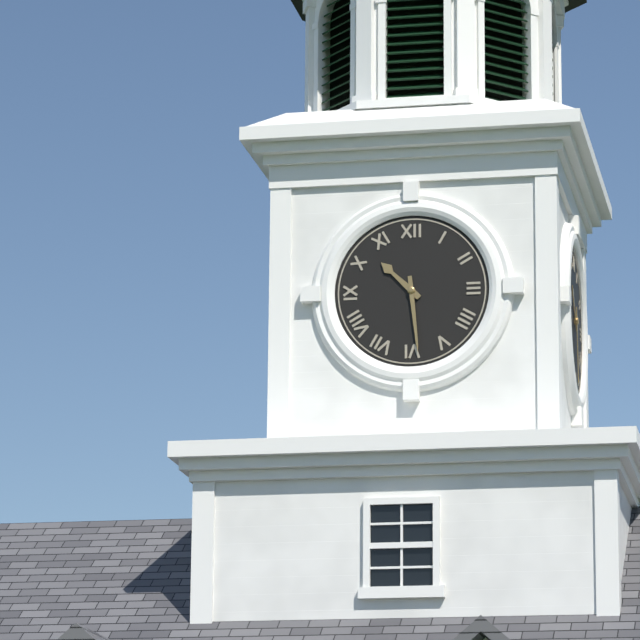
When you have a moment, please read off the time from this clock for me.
10:29
